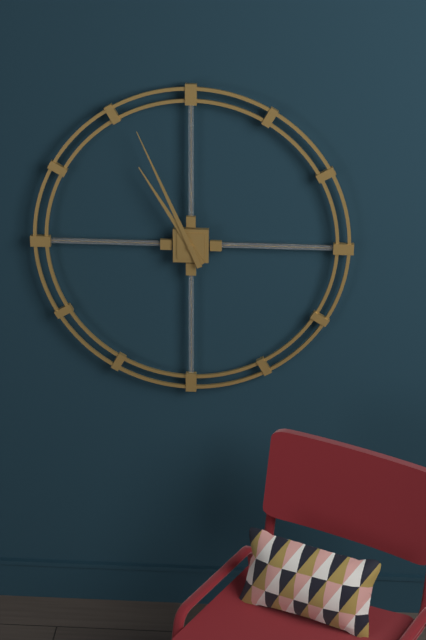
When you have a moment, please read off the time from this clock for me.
10:56
